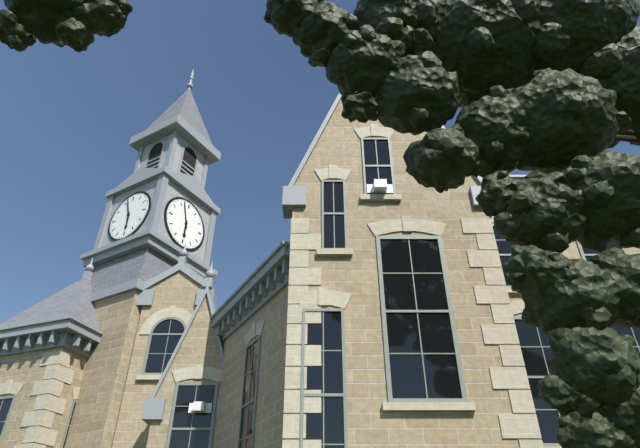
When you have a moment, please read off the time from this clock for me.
5:57
